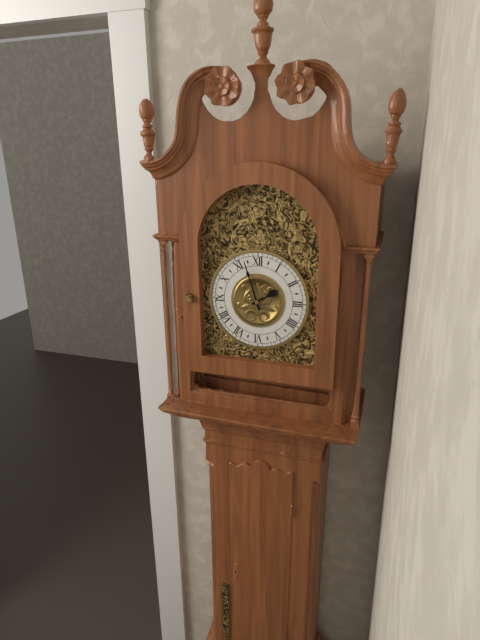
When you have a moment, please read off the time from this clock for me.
1:57
